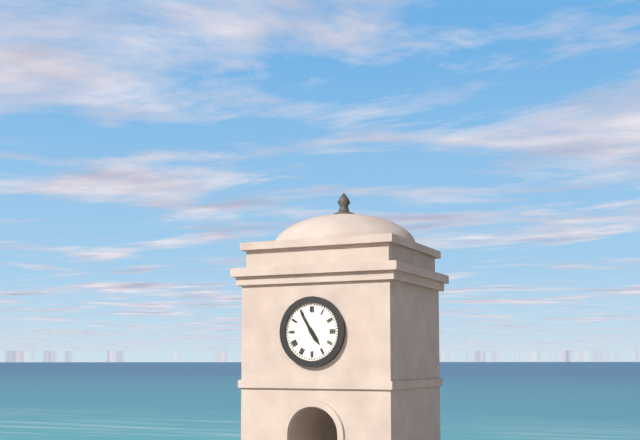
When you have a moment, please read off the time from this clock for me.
4:55
